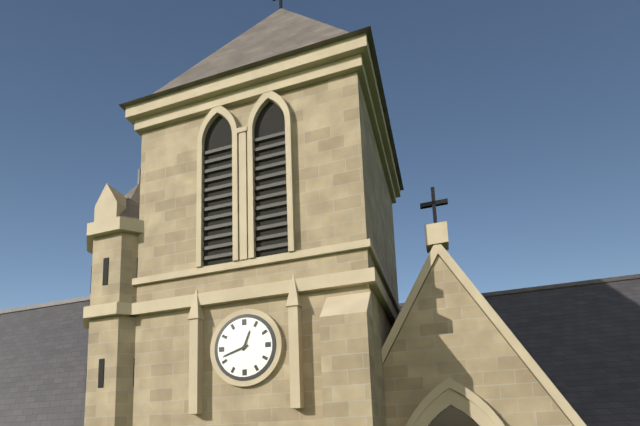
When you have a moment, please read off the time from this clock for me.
12:42
